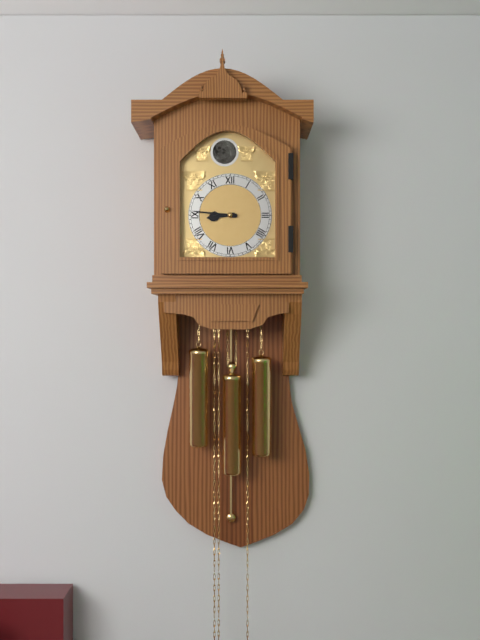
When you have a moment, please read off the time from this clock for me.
8:46
